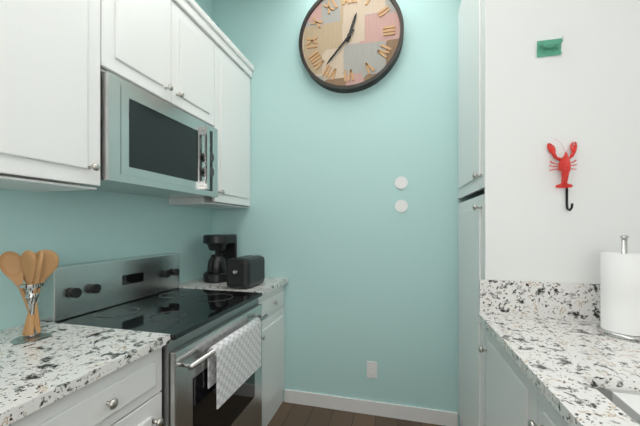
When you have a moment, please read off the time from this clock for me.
12:37
